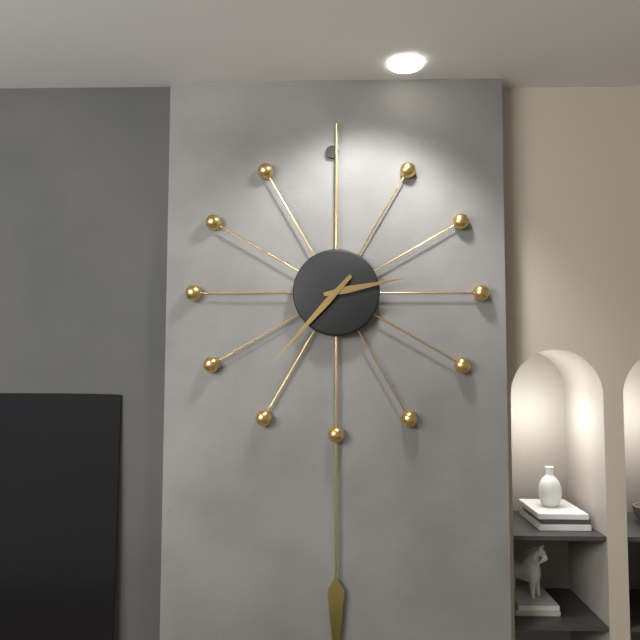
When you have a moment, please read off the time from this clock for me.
2:37
